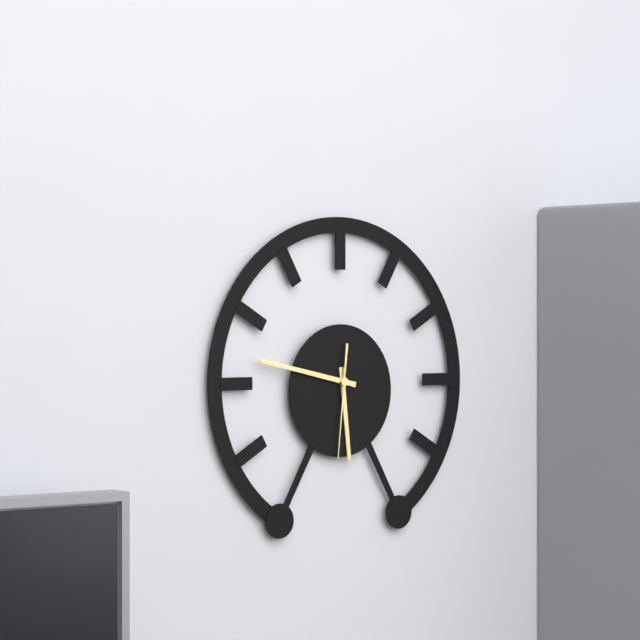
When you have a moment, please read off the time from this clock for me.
5:47:31
